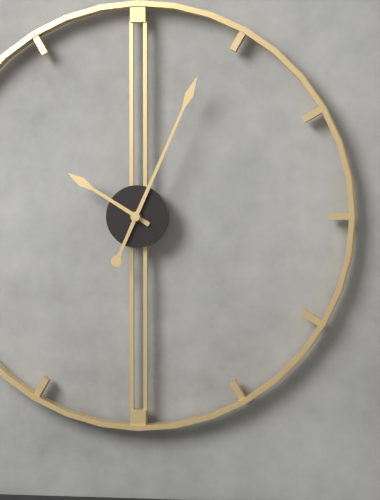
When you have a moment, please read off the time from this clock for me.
10:04
